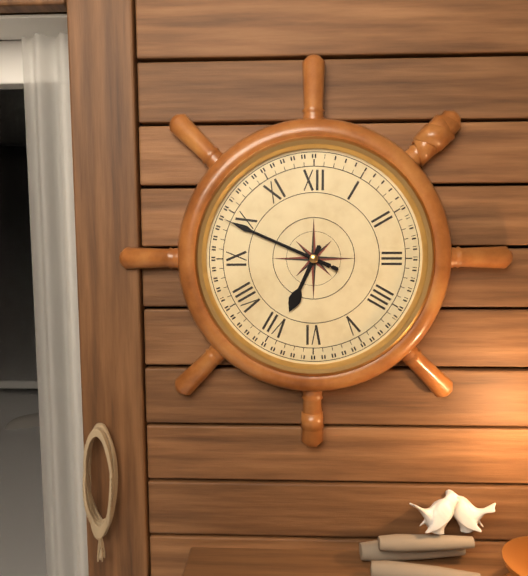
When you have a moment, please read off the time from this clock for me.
6:49:49
